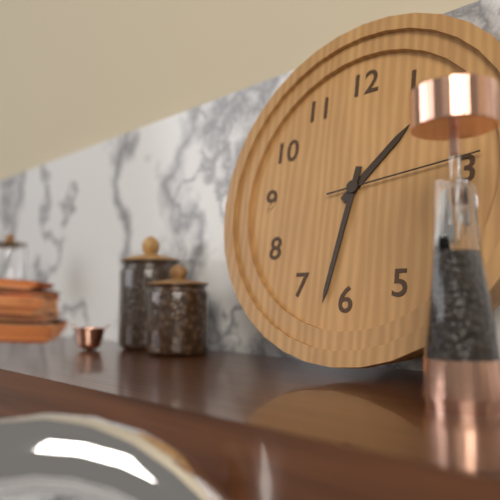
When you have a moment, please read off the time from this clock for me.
1:32:14
